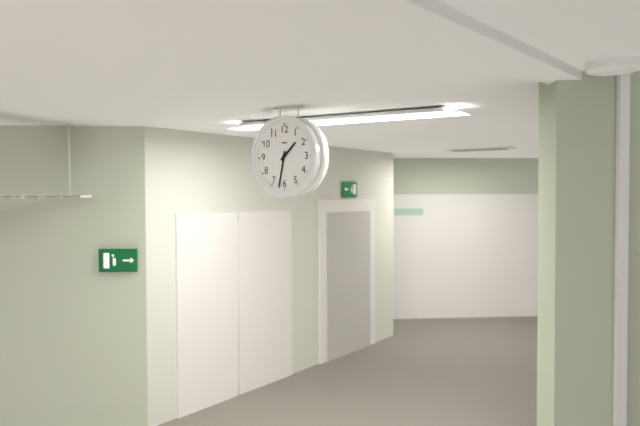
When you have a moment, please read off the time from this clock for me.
1:32
